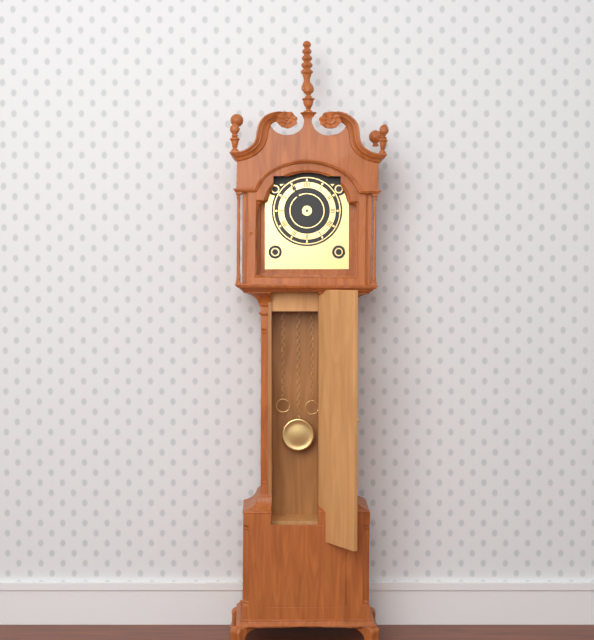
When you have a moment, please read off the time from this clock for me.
10:55
